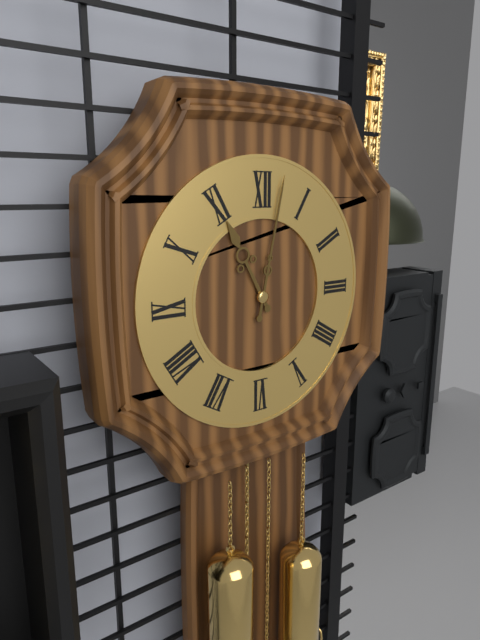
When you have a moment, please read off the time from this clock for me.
11:02
